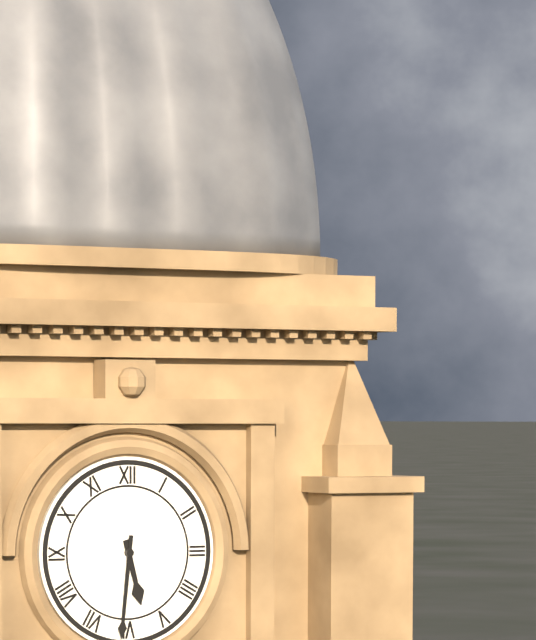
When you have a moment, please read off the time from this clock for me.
5:31
